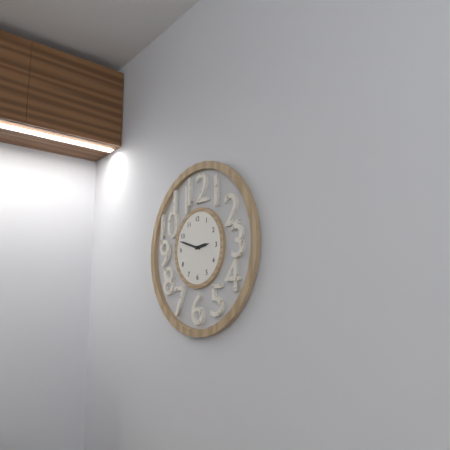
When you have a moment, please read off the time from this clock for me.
2:48
